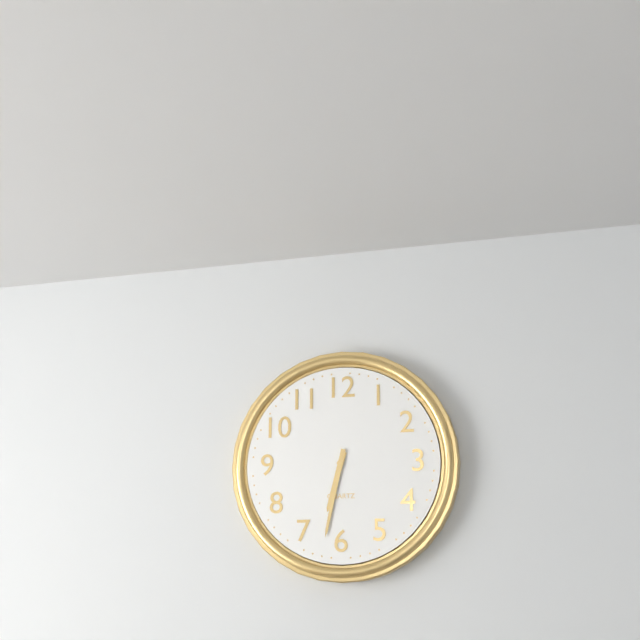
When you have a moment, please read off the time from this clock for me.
6:32
